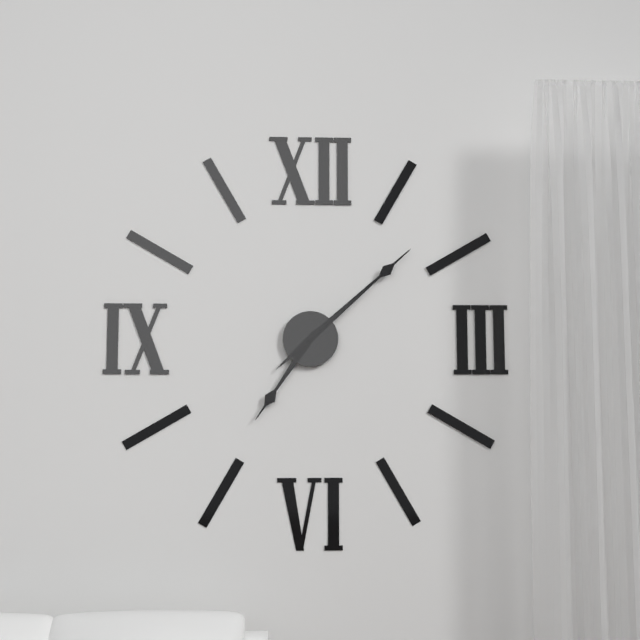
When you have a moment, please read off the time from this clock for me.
7:08
